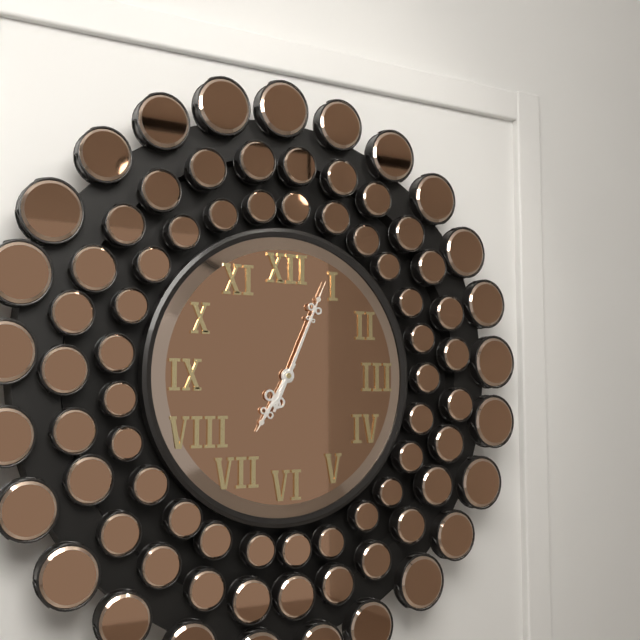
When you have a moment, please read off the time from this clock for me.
7:04
